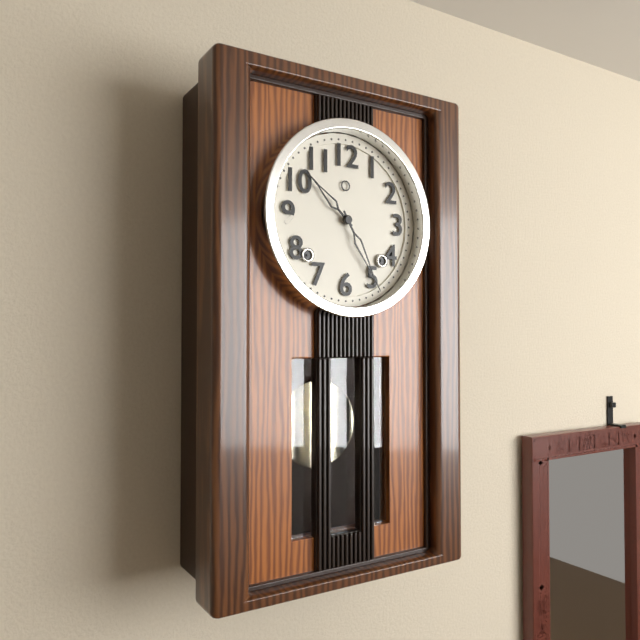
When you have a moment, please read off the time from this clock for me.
10:25
